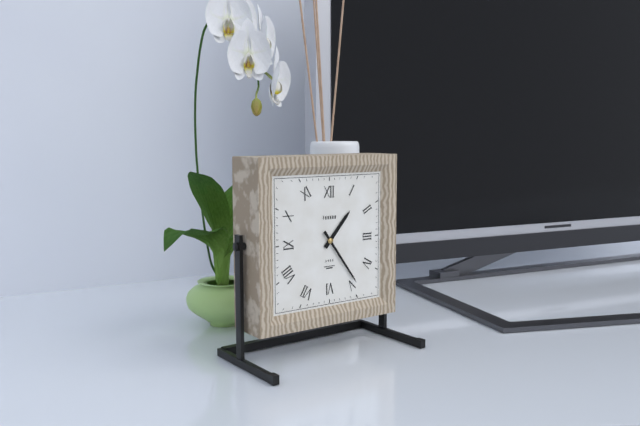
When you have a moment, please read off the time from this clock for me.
1:24
